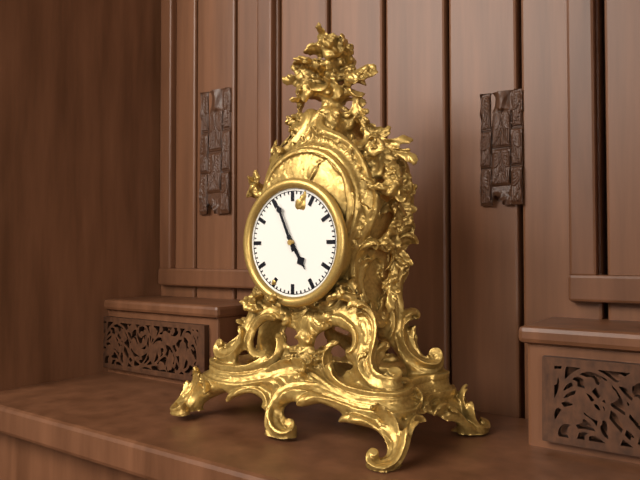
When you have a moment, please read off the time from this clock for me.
4:56
